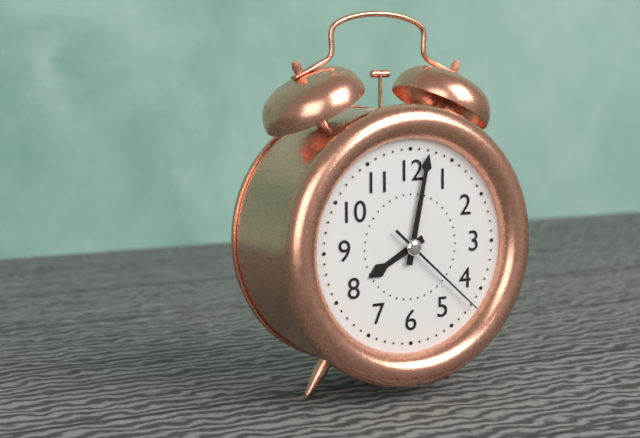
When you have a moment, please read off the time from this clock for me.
8:02:22
